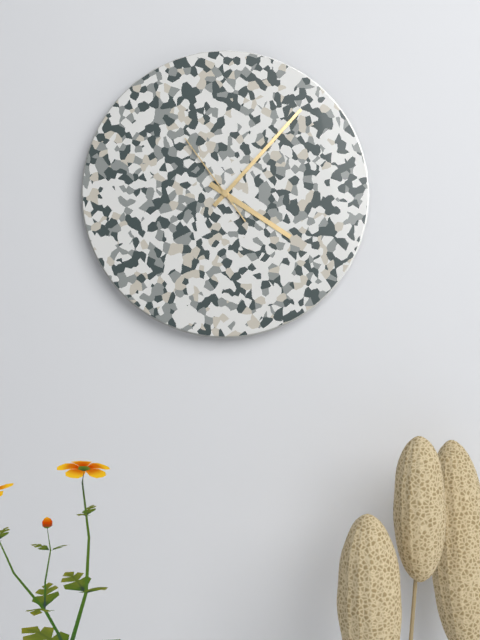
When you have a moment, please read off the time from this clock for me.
4:07:54
